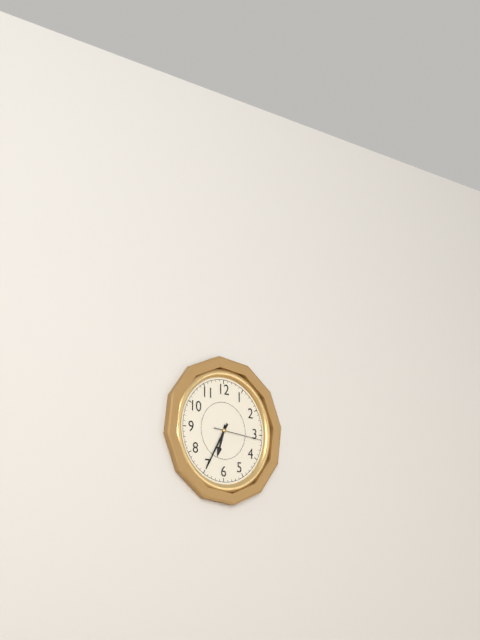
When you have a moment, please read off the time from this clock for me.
6:35
